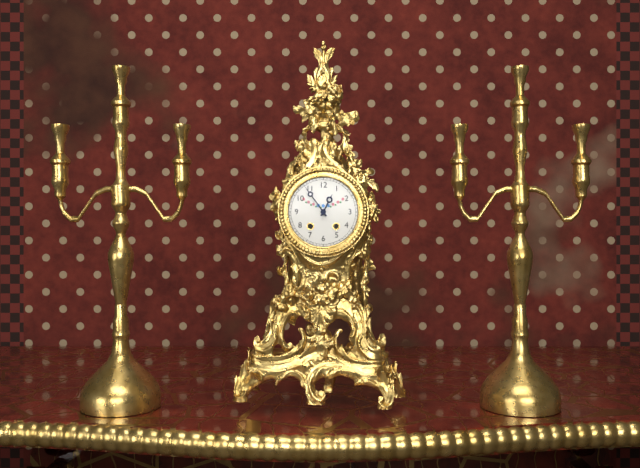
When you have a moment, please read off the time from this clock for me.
12:54
